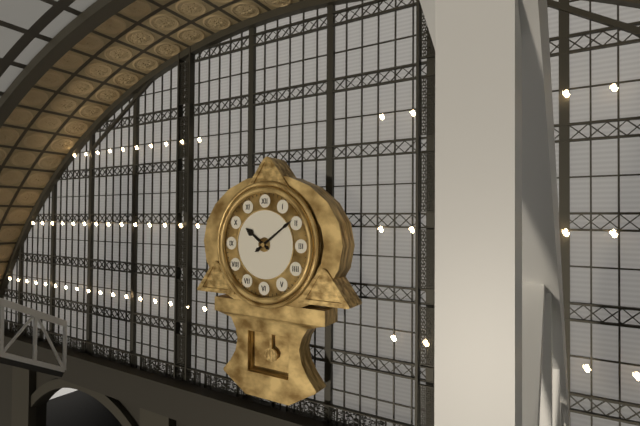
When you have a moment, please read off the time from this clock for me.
10:09
